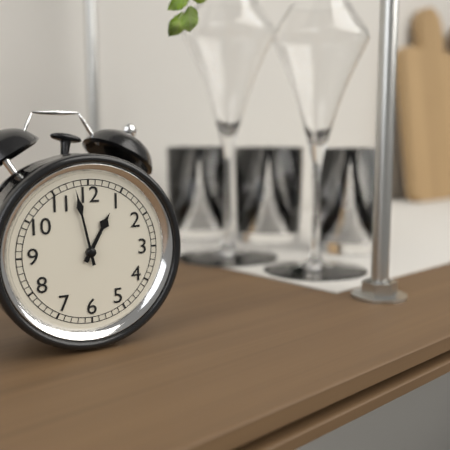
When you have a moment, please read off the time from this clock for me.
12:58
